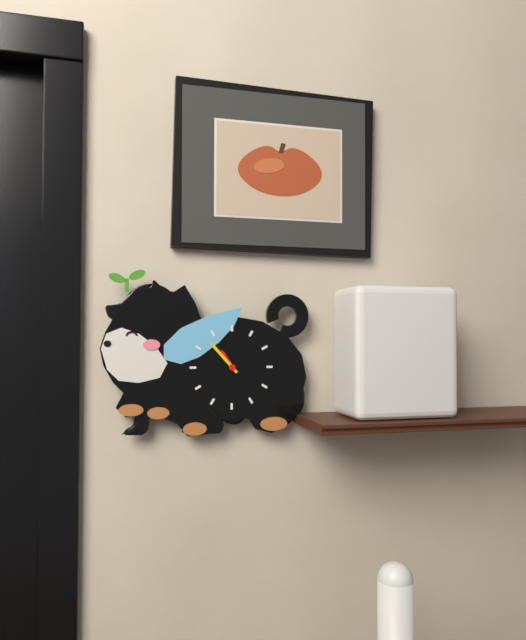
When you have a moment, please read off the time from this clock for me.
10:53
